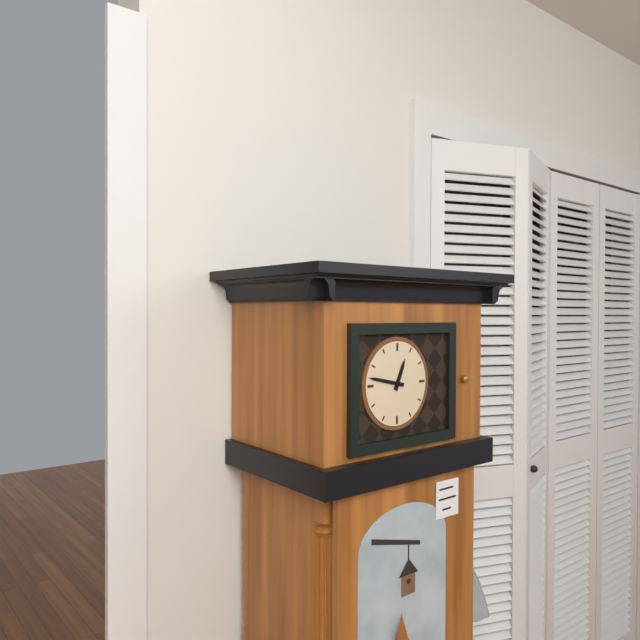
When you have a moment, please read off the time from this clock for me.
12:47
